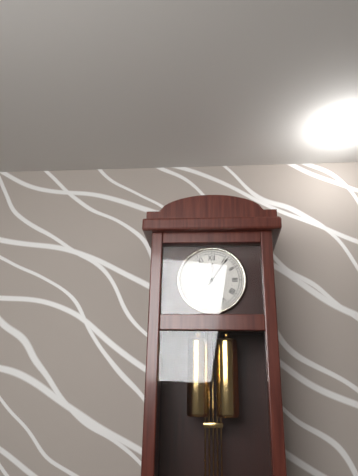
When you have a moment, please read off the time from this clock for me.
12:06
